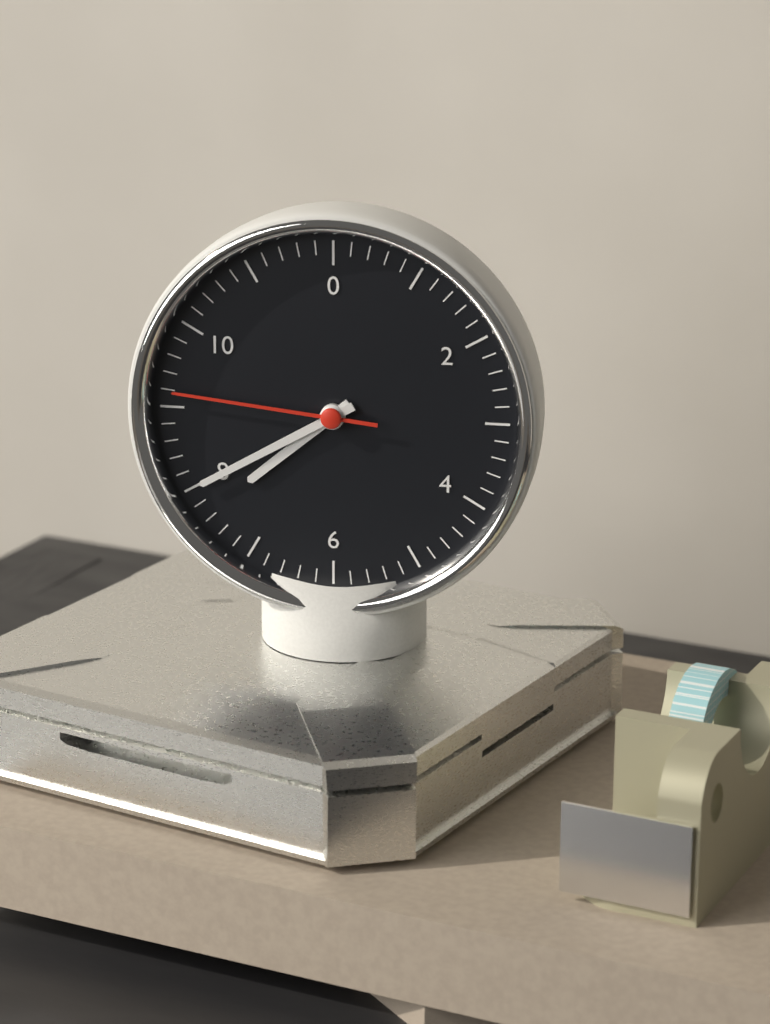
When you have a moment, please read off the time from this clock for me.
7:40:46
